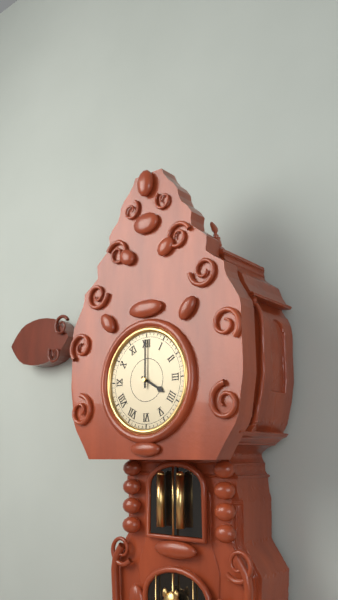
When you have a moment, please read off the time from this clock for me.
4:00
